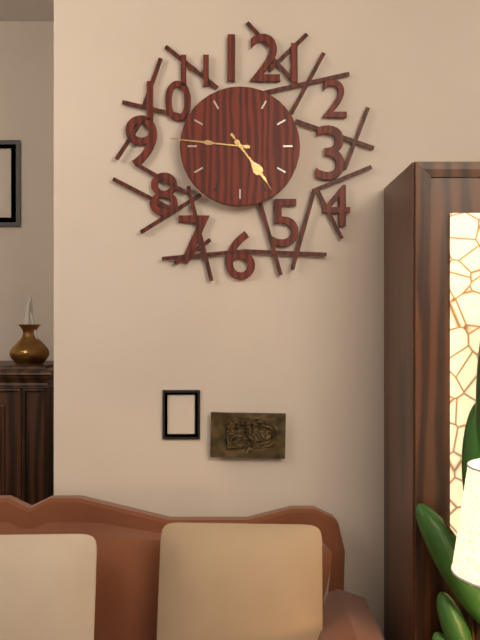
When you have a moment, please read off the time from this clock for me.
4:46:24
